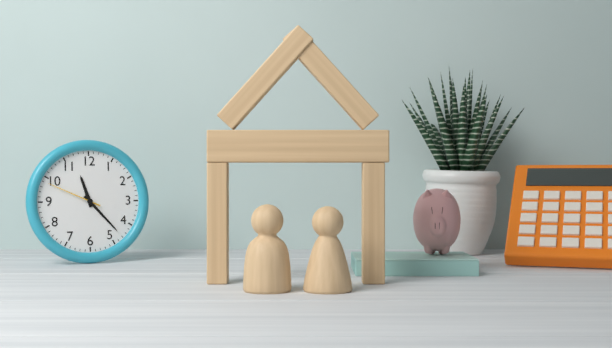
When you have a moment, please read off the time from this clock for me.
11:23:49
